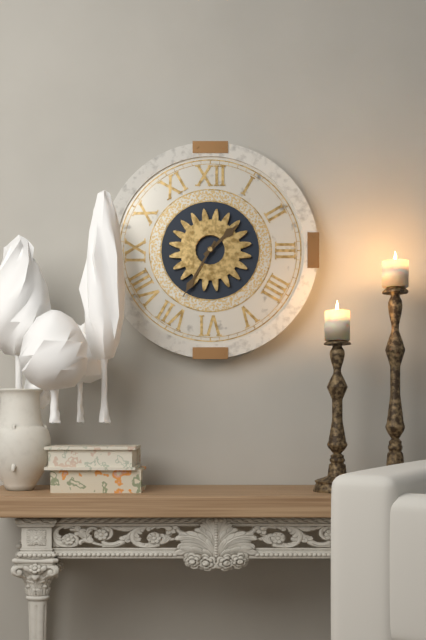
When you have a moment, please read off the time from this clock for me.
1:35
